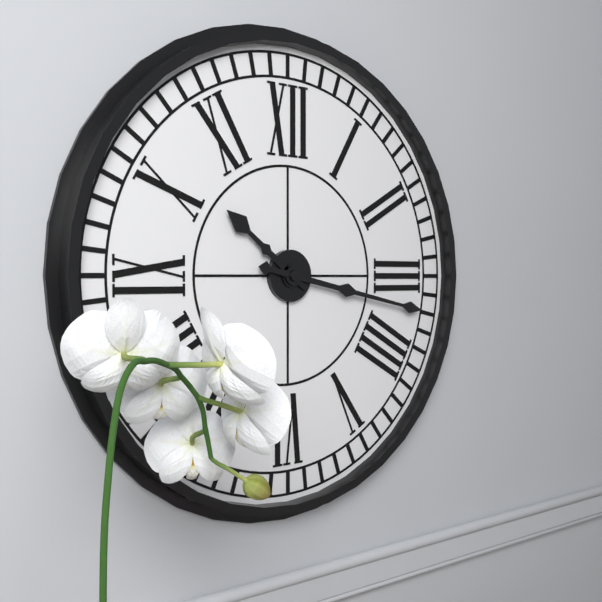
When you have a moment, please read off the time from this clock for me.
10:17
